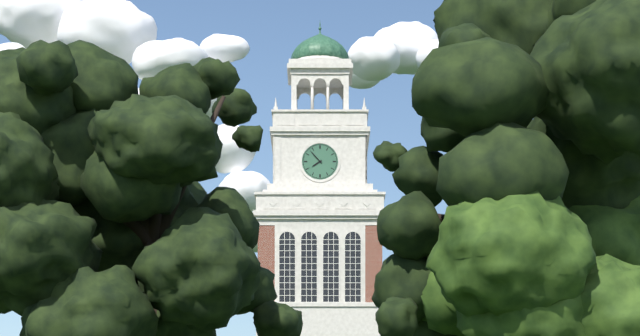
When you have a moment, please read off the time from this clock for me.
7:53
